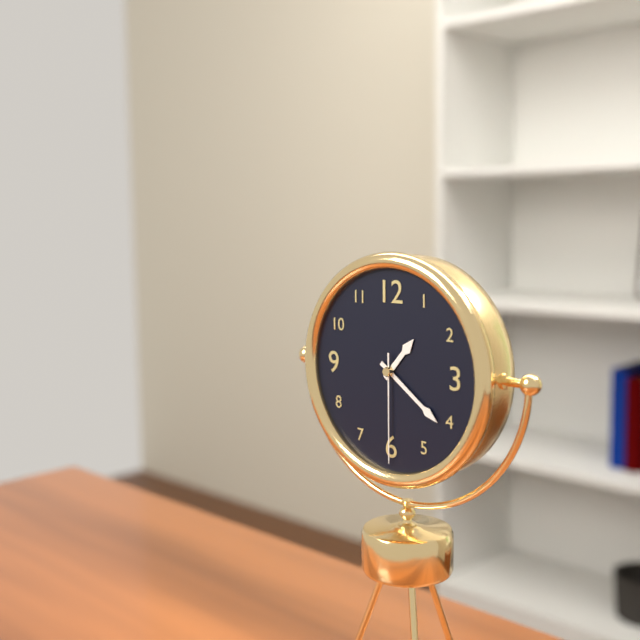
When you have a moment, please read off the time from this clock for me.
1:21:30
